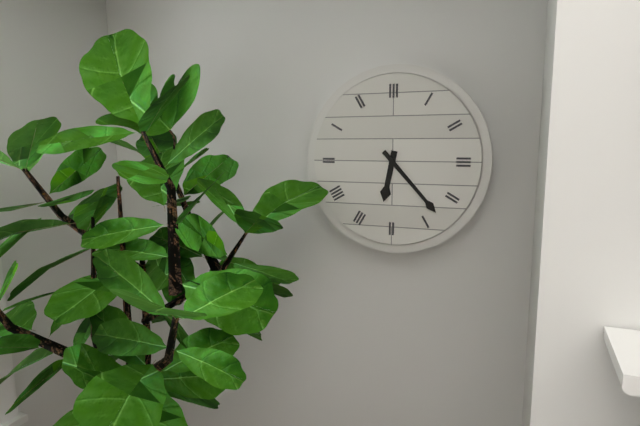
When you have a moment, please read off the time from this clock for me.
6:23
